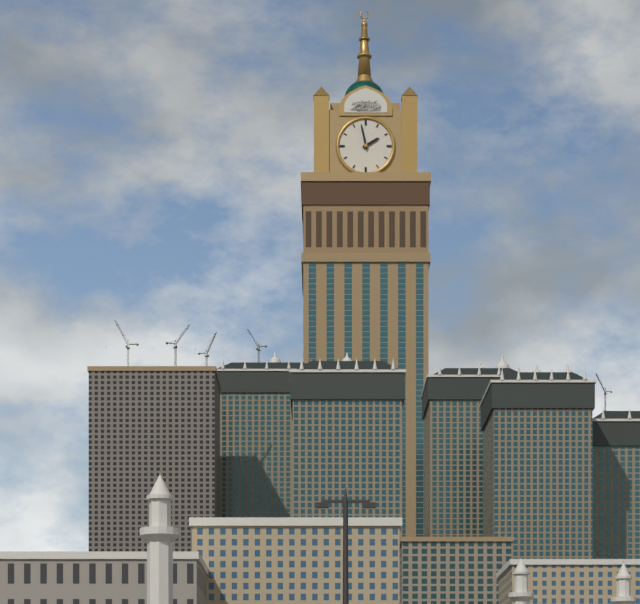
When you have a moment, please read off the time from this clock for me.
1:58
